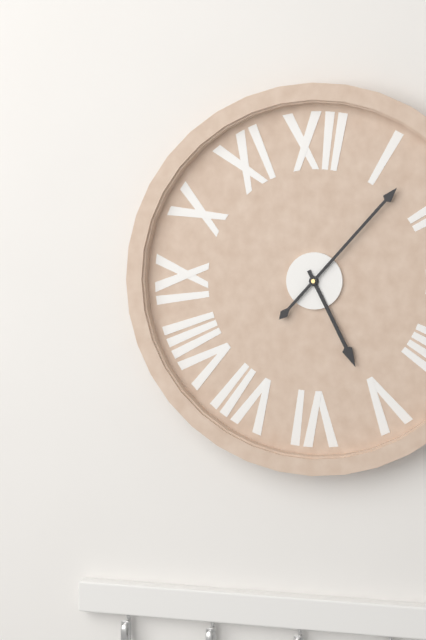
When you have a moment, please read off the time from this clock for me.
5:07
